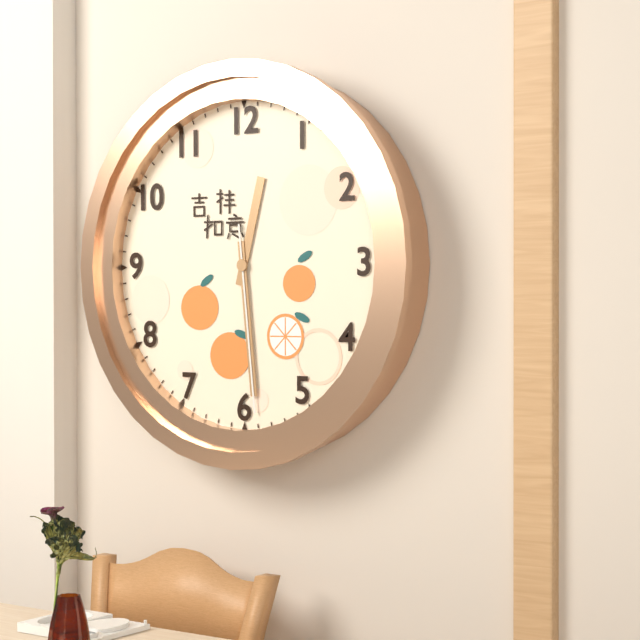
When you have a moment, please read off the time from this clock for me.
12:29:29
